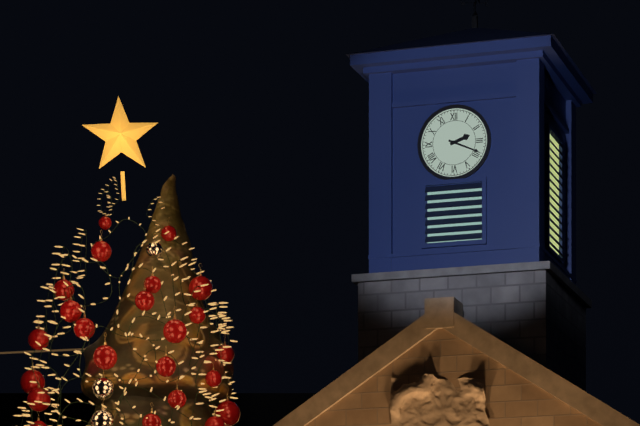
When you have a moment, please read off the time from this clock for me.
2:19
